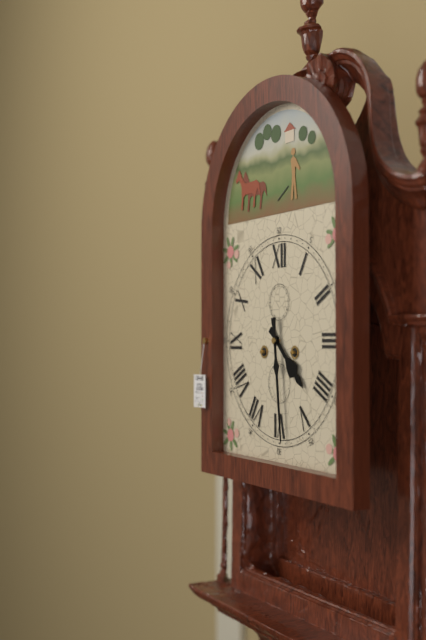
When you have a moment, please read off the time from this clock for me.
4:29
